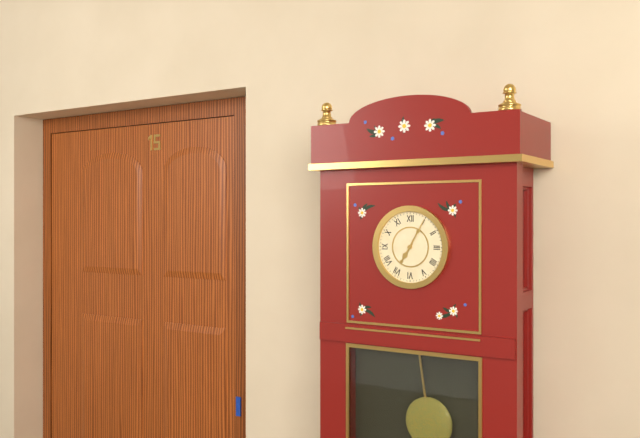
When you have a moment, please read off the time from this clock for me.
7:05
